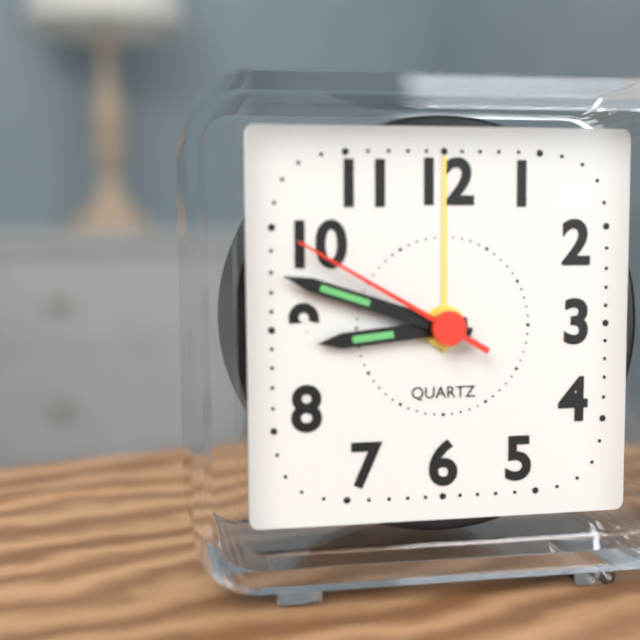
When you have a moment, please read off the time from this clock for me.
8:48:50
